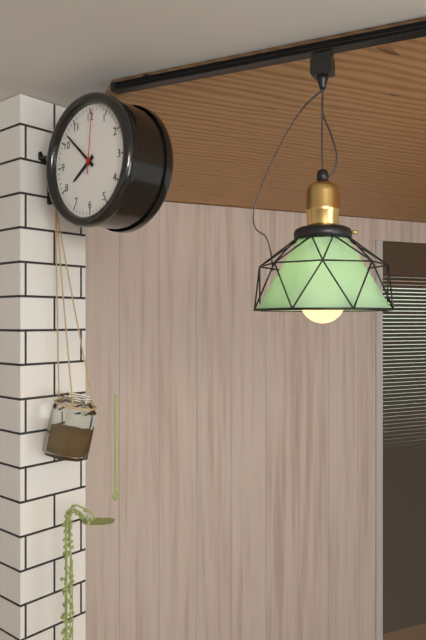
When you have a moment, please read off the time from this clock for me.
7:52:01
